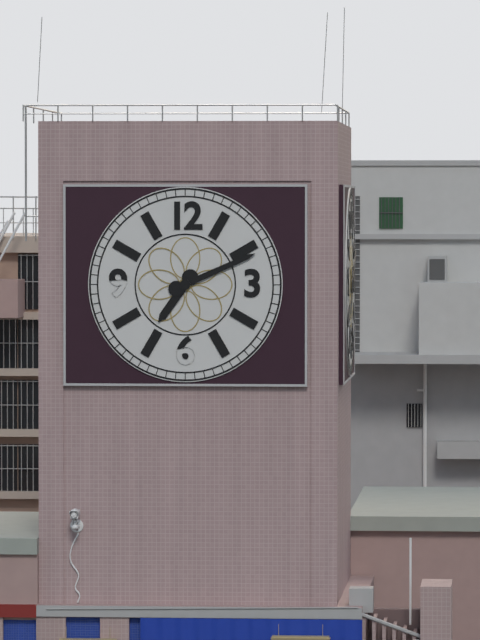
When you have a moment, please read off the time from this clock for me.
7:11
